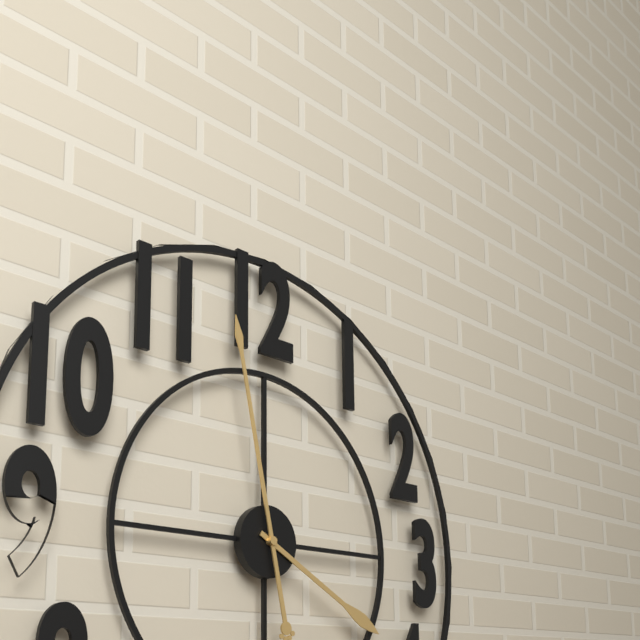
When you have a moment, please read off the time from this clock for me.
3:58
